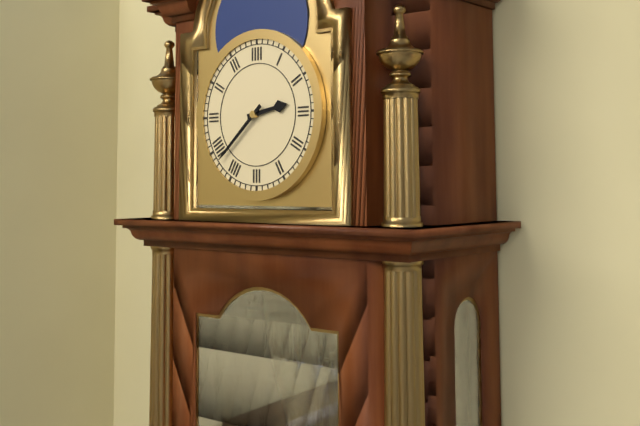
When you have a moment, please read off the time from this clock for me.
2:38
